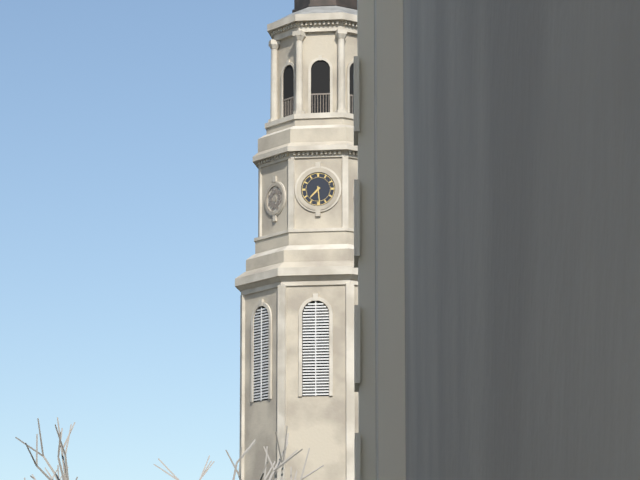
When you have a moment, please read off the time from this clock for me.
7:29
